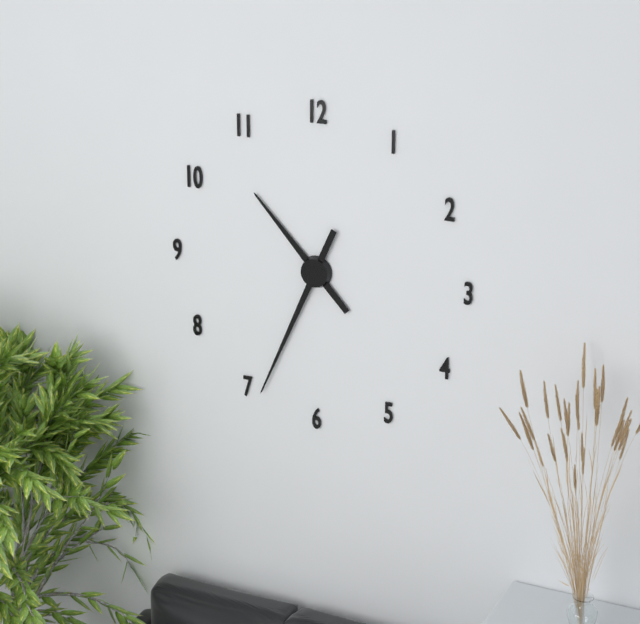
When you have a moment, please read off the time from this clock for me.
10:34
